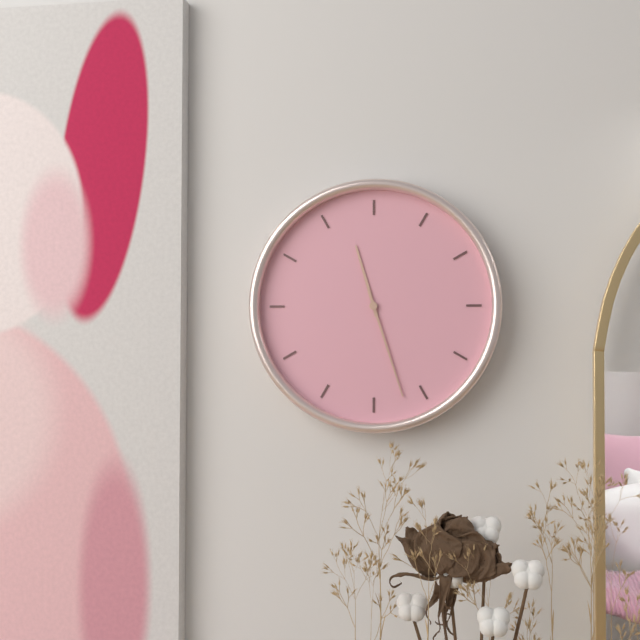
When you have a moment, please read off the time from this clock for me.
11:27
